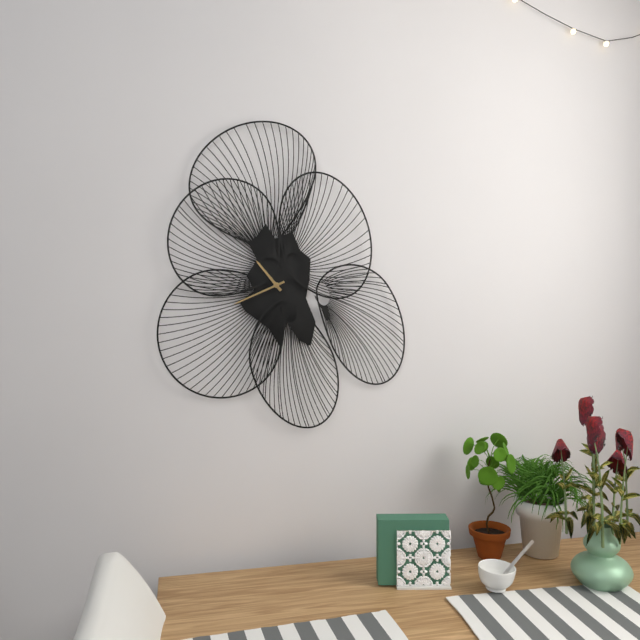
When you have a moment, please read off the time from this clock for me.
10:41
